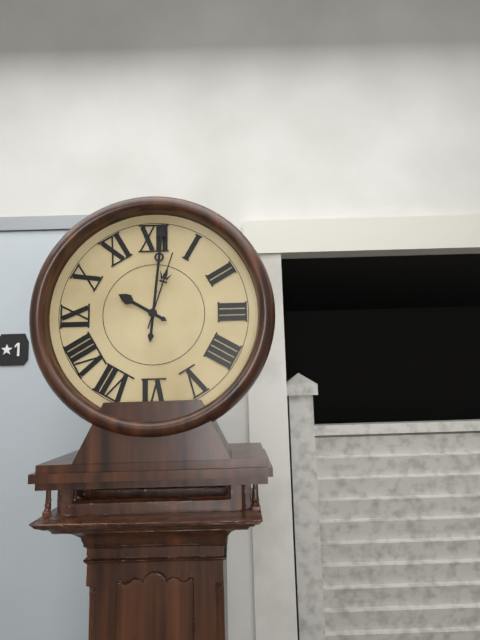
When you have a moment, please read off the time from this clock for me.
10:01:03
